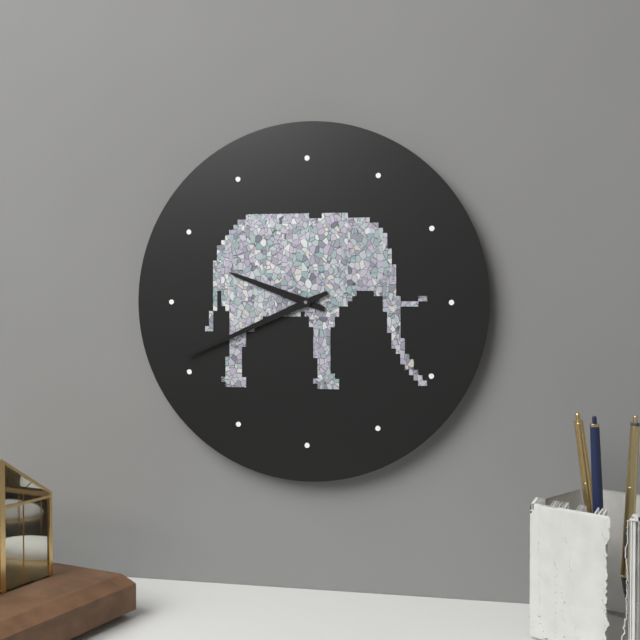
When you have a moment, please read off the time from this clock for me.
9:41
